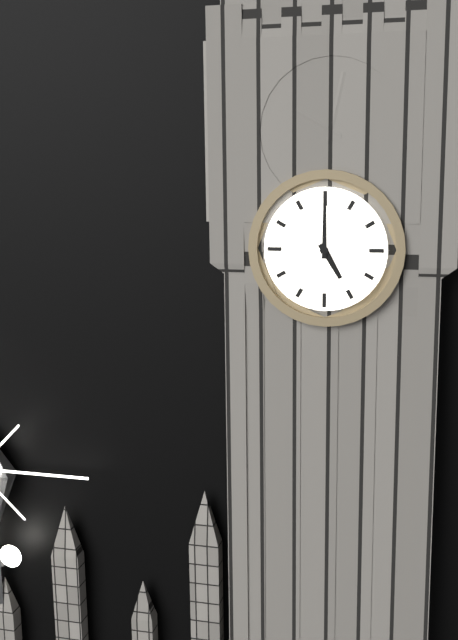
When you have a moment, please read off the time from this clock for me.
5:00
